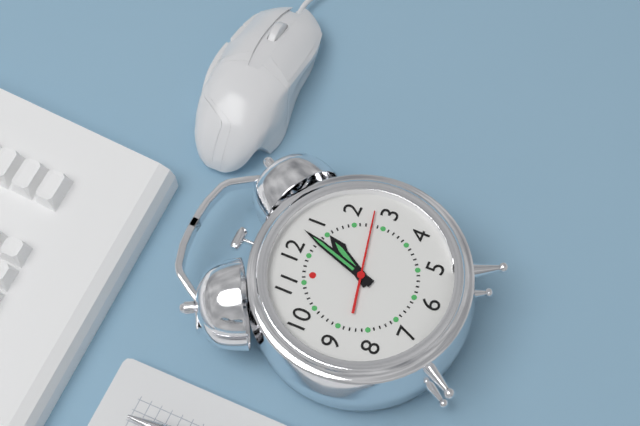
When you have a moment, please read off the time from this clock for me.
1:03:13
